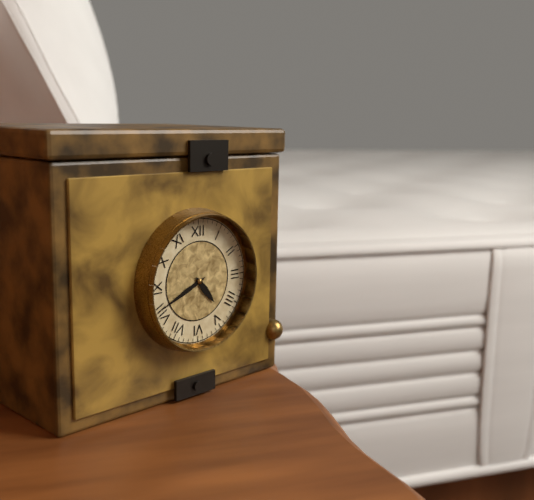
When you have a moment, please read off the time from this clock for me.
4:41
